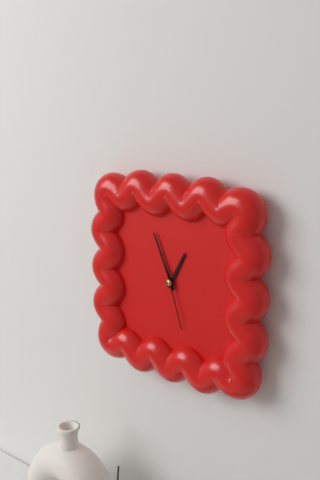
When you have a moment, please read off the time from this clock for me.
12:56:27
